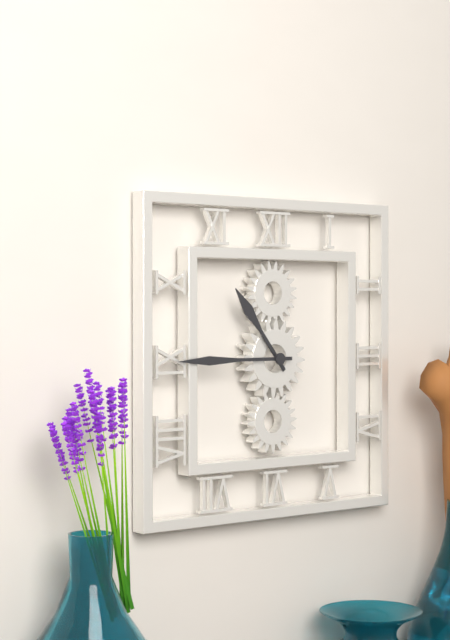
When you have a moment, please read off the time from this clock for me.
10:45
